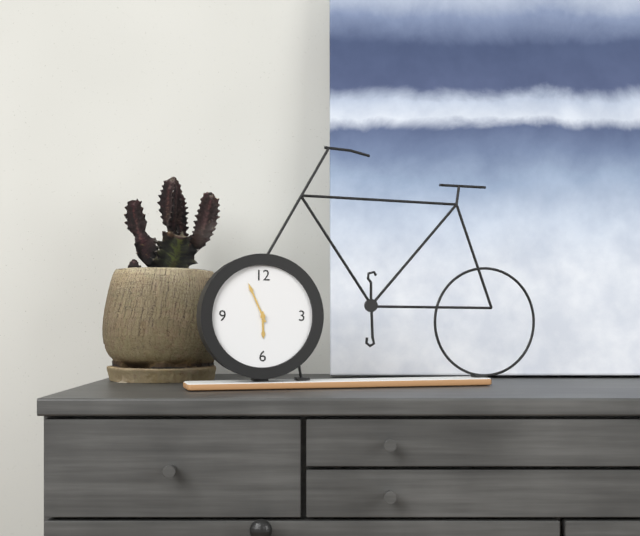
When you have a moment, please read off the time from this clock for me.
5:56
